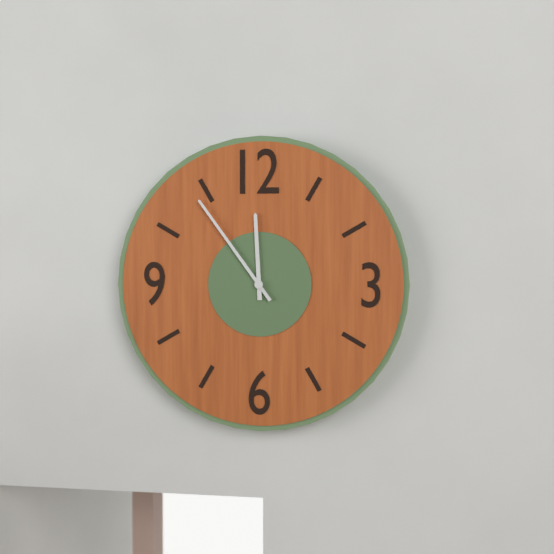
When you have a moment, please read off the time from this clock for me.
11:54
